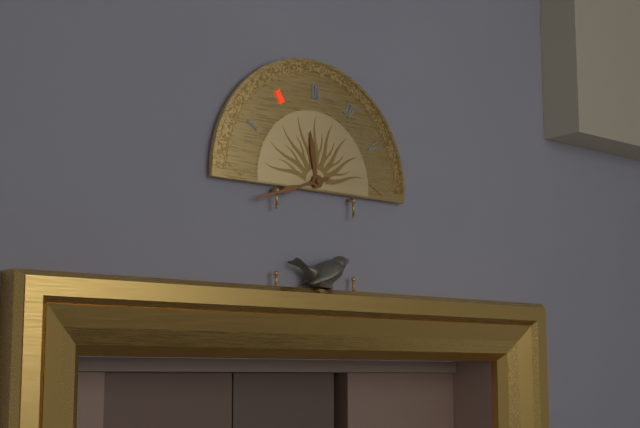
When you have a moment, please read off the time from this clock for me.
11:42
